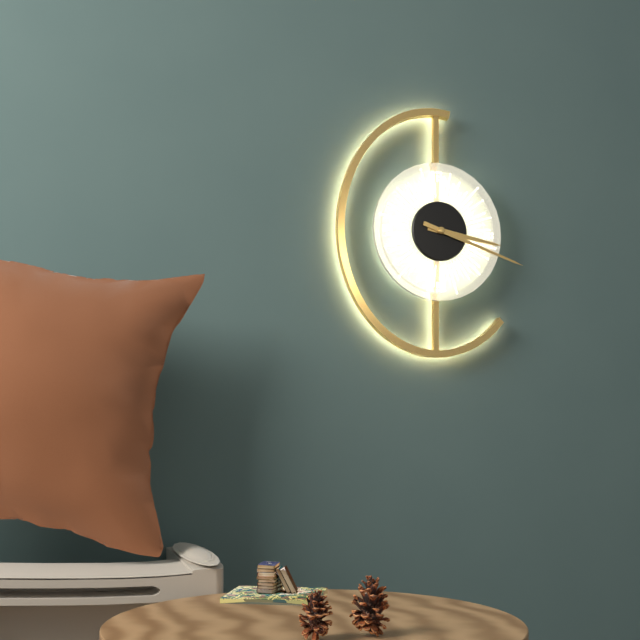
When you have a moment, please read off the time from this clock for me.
3:18
